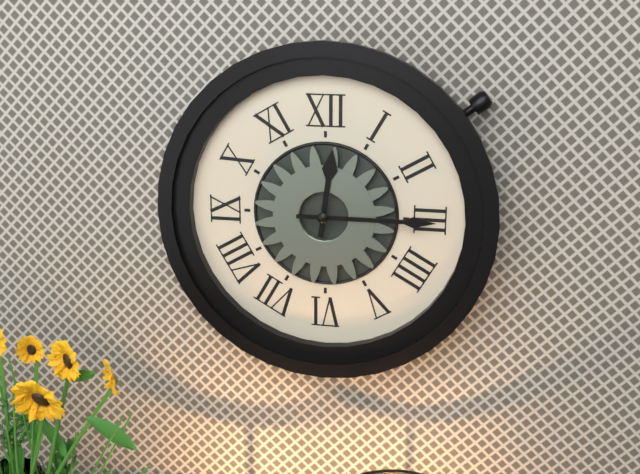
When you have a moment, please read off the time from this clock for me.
12:15
